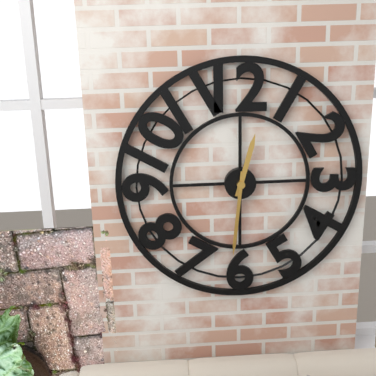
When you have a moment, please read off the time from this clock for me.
12:31
